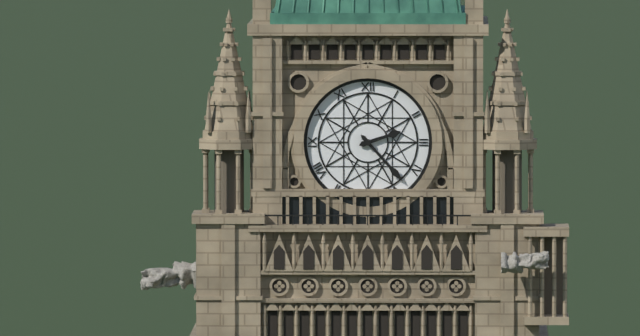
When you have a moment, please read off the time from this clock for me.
2:23
